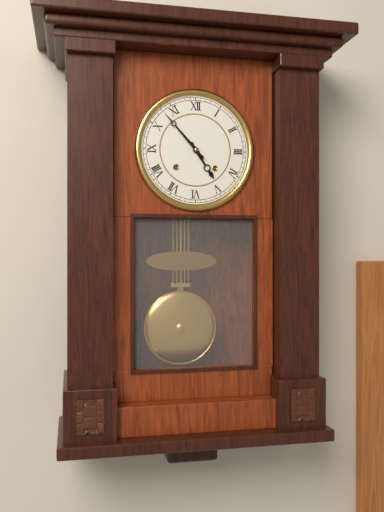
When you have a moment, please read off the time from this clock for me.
4:53
